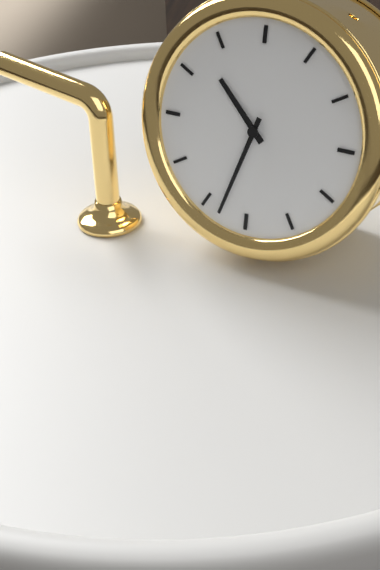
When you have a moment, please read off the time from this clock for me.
10:33
